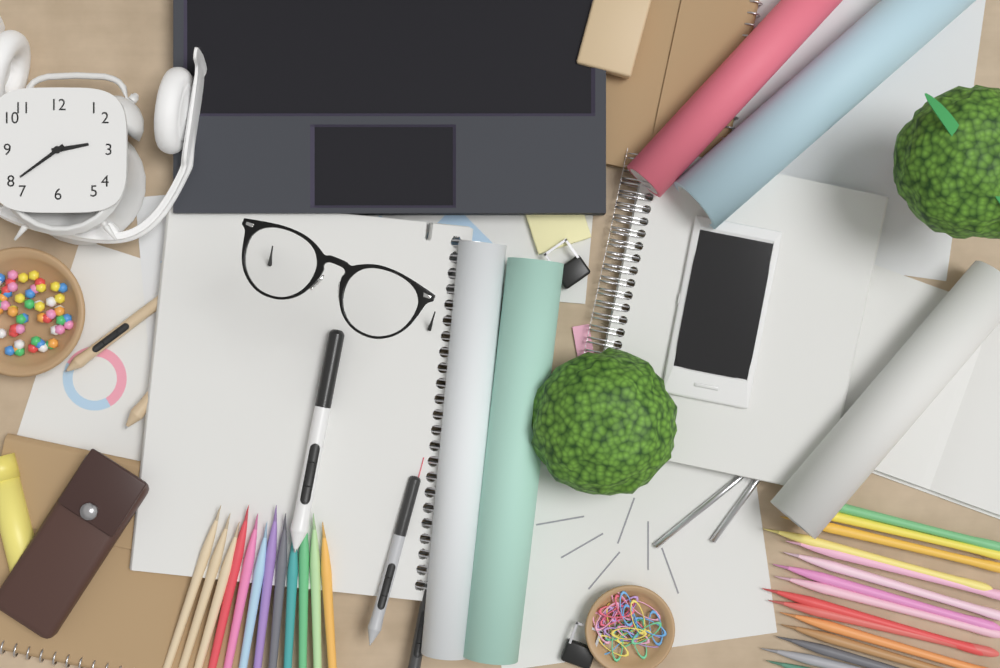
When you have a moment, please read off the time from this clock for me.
2:39
